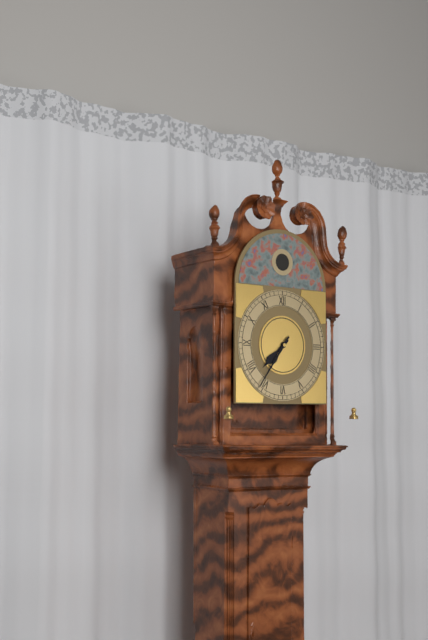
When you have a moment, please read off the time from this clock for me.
7:36
